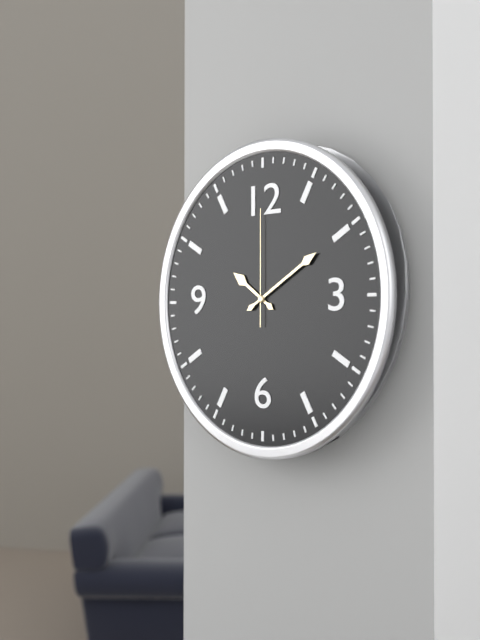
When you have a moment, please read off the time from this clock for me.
10:10:00
